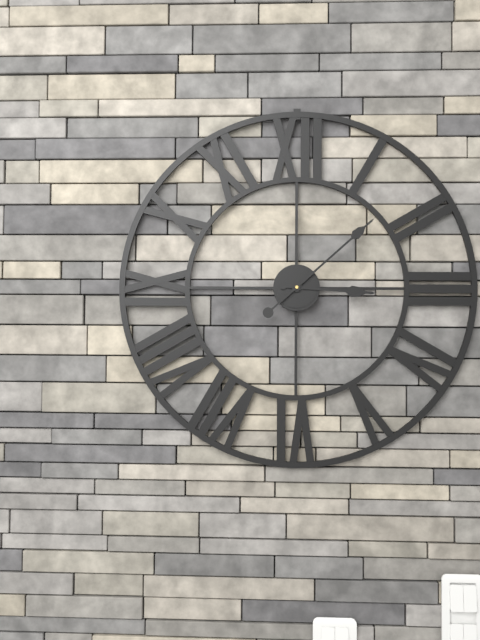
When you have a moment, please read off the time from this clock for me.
3:08
